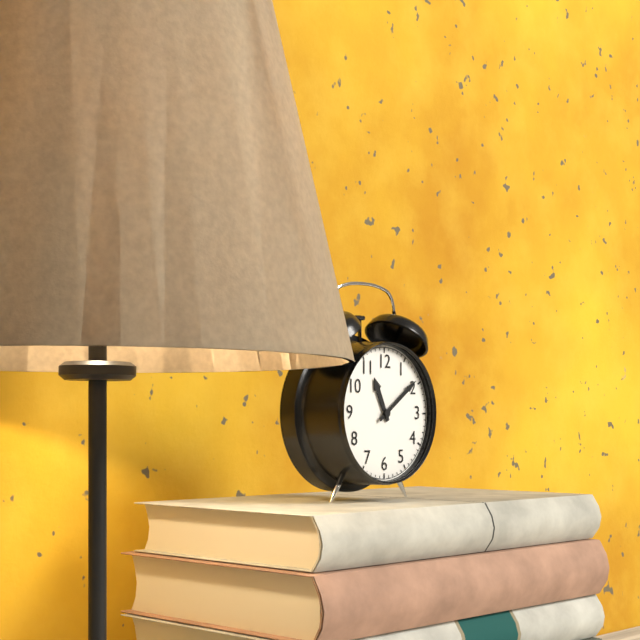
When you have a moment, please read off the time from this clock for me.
11:09
